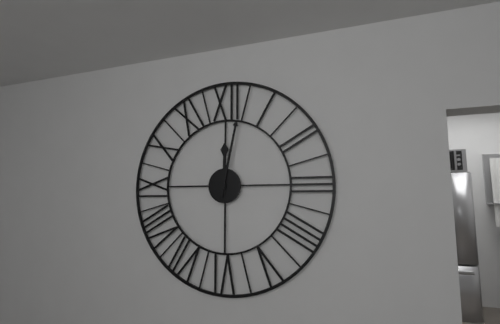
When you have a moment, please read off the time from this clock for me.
12:02
